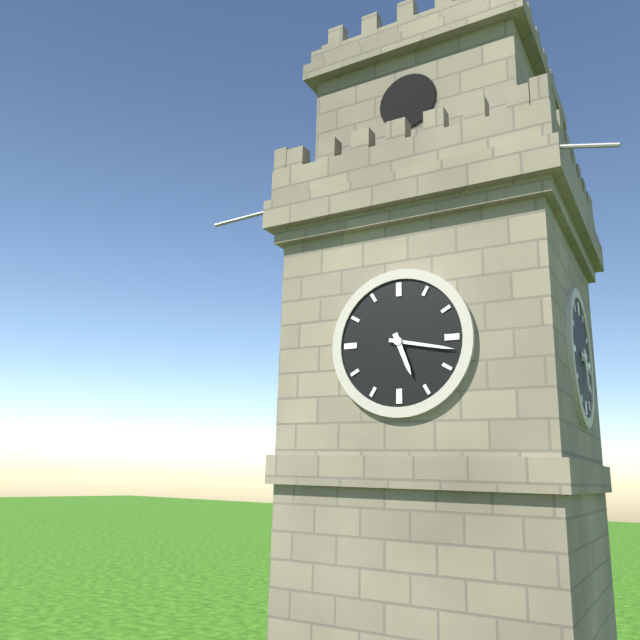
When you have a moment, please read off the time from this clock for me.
5:17
